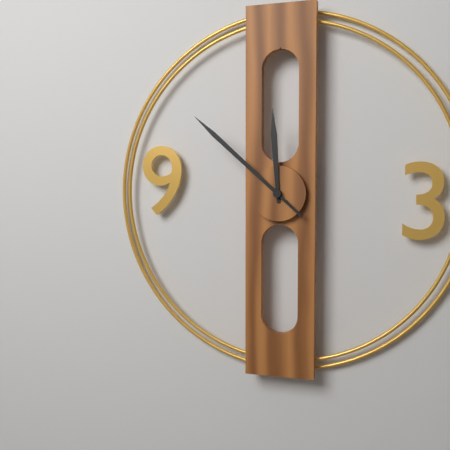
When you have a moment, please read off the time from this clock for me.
11:52
